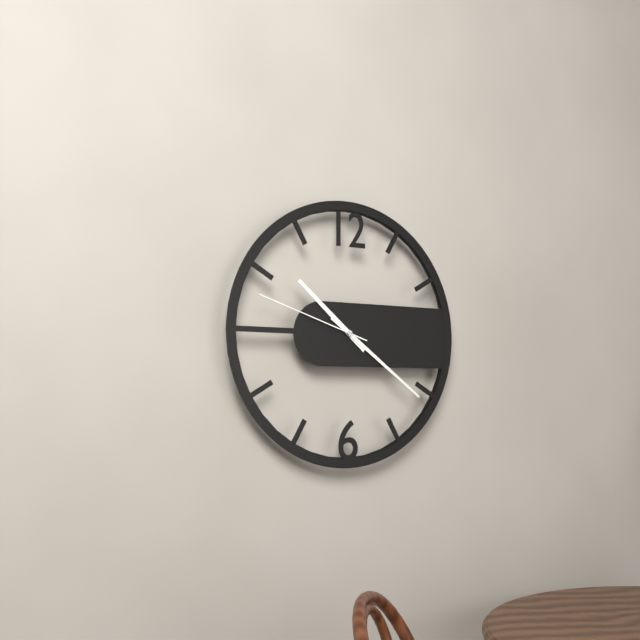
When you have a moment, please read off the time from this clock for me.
10:21:48
